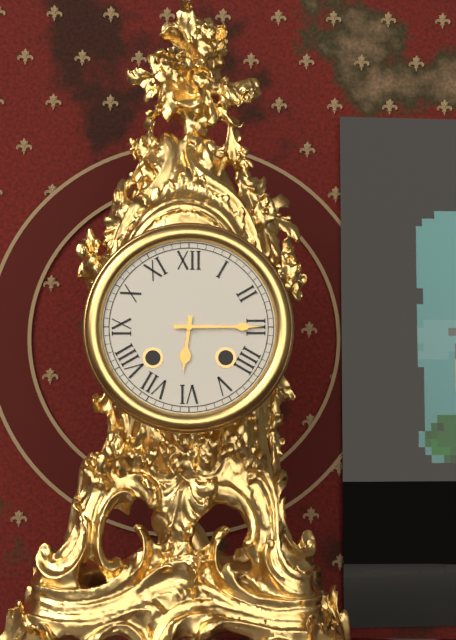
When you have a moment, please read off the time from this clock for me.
6:15
